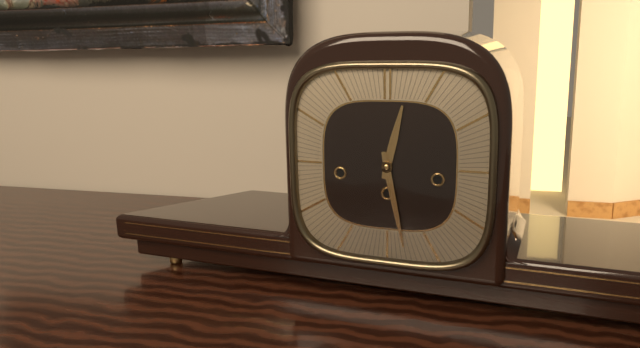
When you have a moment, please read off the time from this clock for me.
12:28
